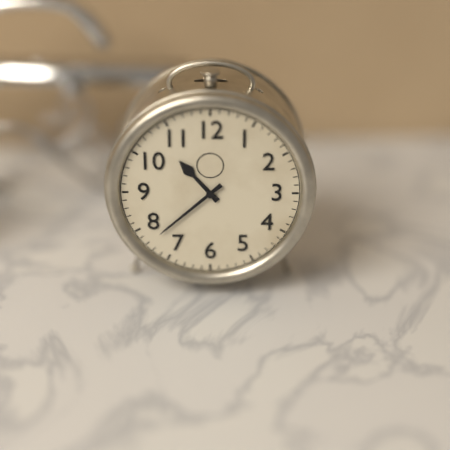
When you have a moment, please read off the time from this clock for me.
10:38
